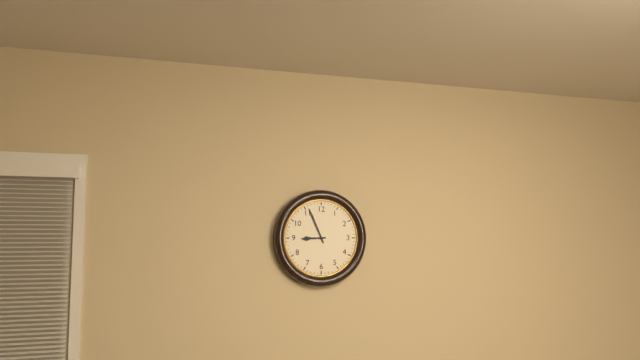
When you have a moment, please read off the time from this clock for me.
8:56
